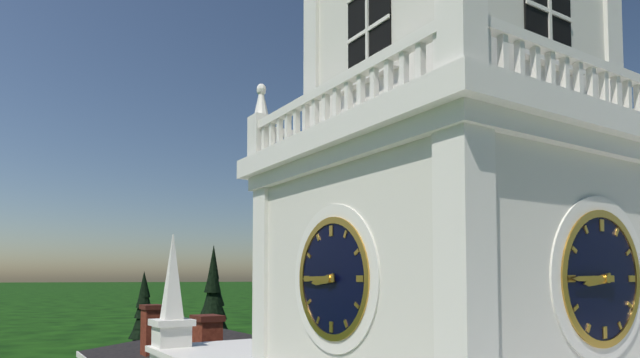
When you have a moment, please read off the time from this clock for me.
8:45
